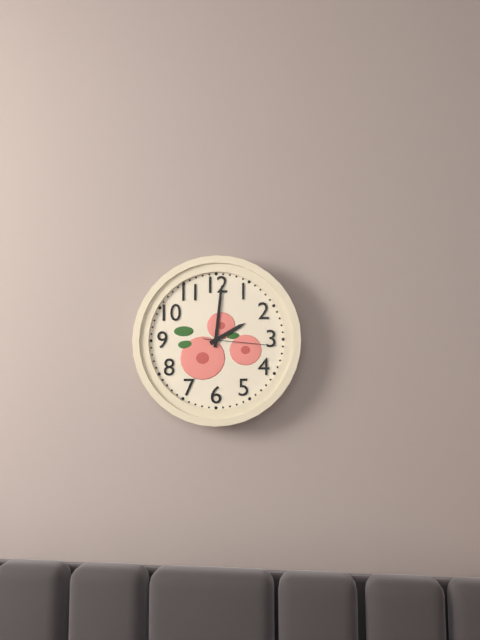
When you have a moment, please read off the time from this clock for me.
2:01:16
